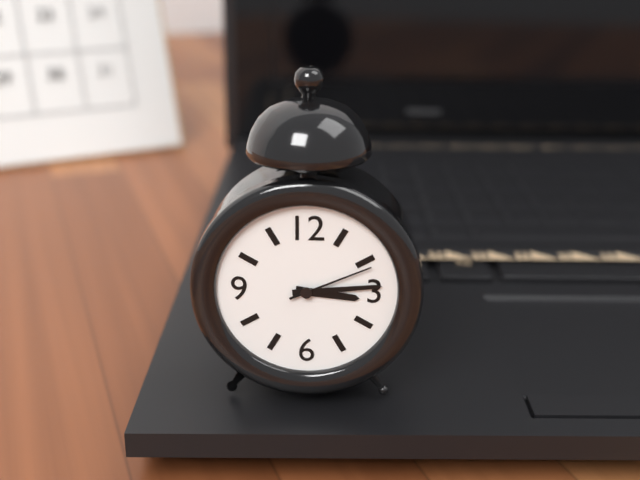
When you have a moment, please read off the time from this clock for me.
3:14:11
